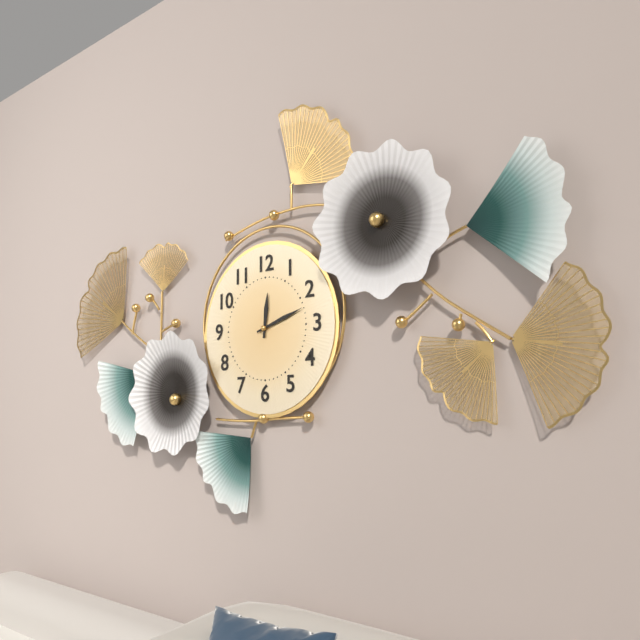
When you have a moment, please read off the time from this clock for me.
12:12
